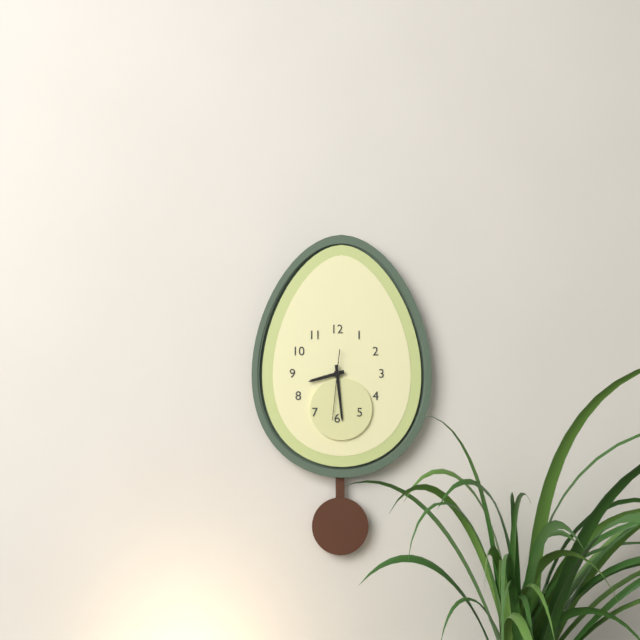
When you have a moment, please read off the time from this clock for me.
8:29:31
